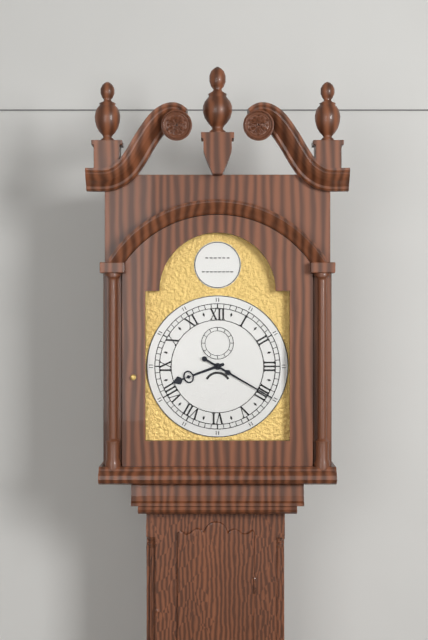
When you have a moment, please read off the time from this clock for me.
8:20
